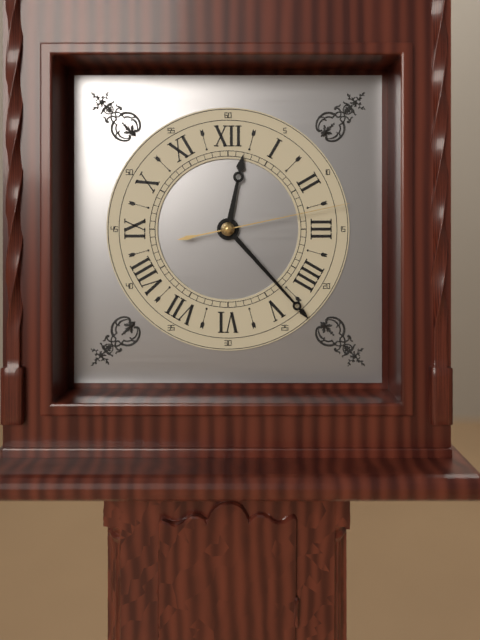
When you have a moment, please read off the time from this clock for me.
12:23:13
